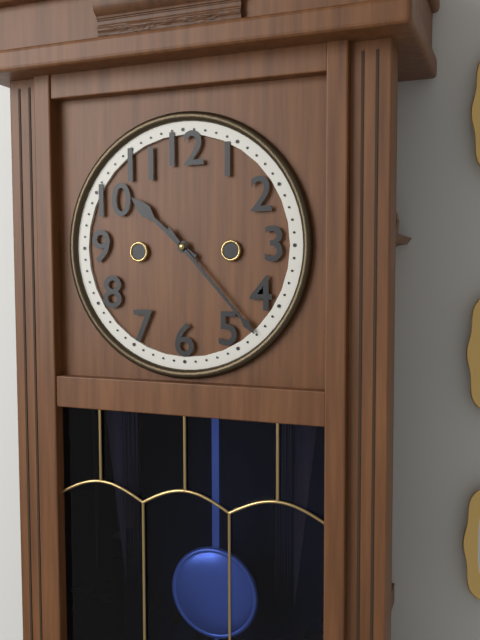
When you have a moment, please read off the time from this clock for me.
10:23
